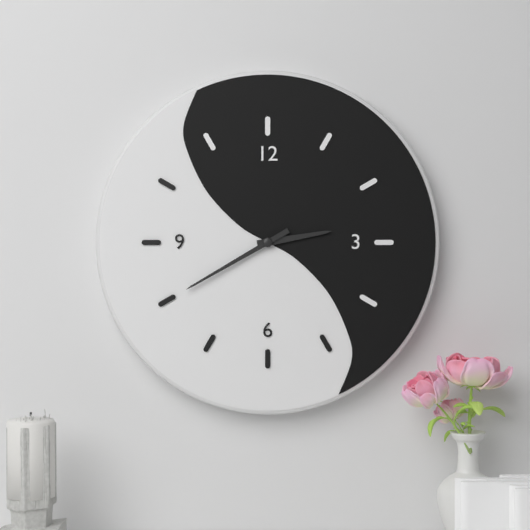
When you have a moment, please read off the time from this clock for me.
2:40
